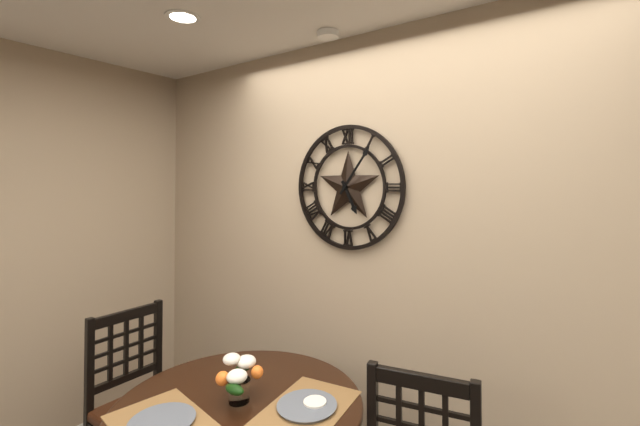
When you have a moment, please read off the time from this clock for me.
5:06
